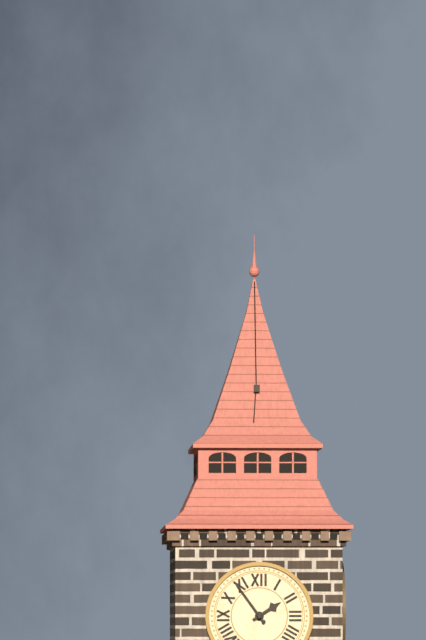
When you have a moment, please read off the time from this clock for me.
1:54
